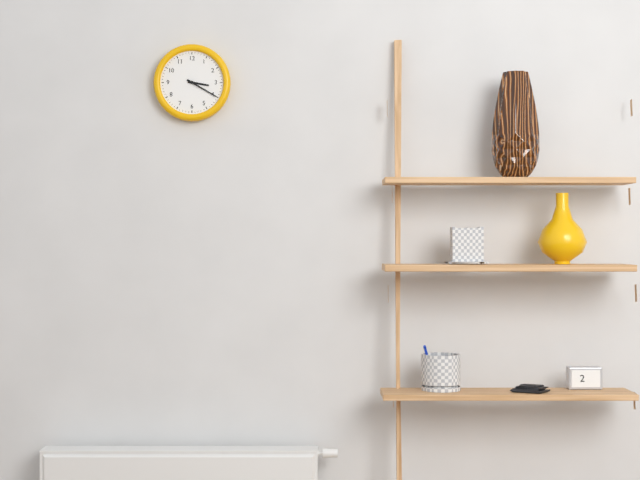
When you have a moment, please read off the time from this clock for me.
3:20
